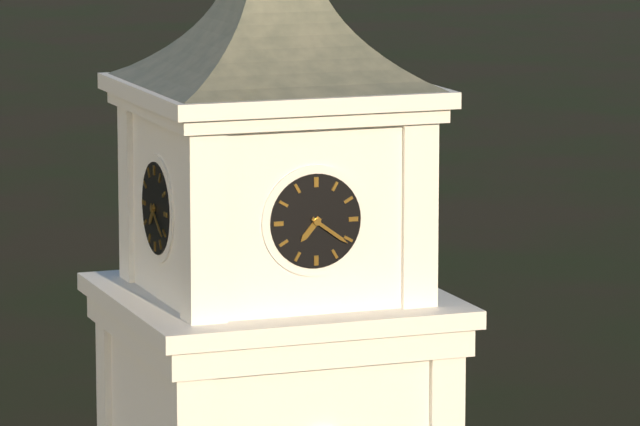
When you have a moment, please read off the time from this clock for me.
7:21
